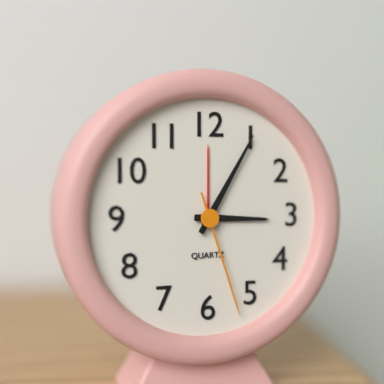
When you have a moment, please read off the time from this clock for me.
3:05:27
